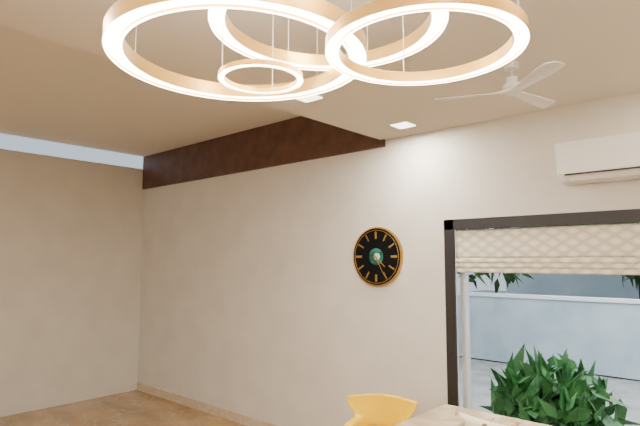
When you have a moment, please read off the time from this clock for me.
4:25
